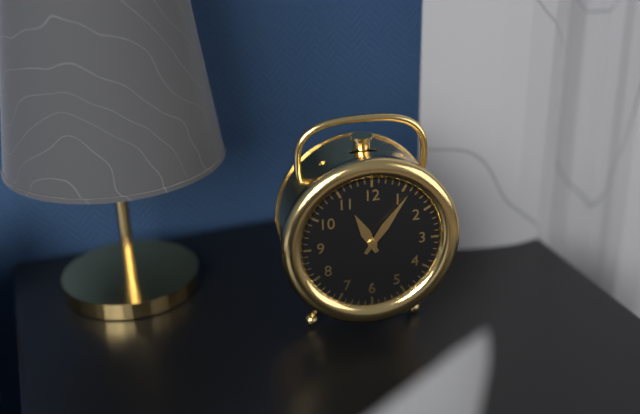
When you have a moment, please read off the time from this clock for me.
11:06
